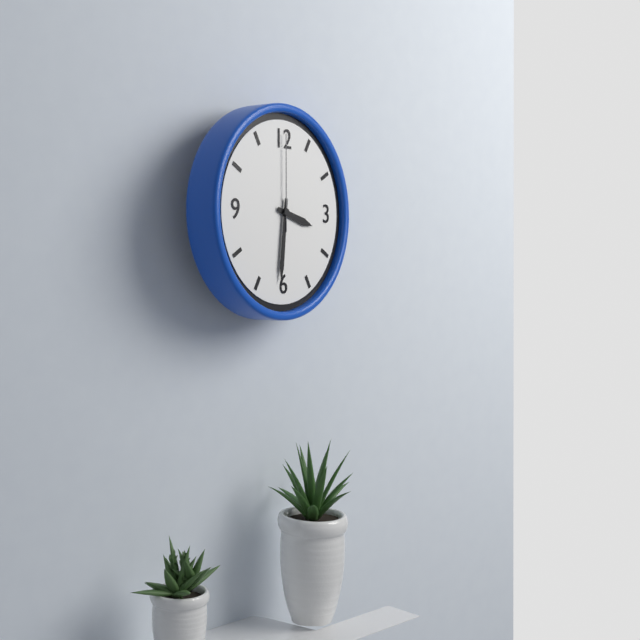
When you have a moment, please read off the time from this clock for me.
3:31:00
